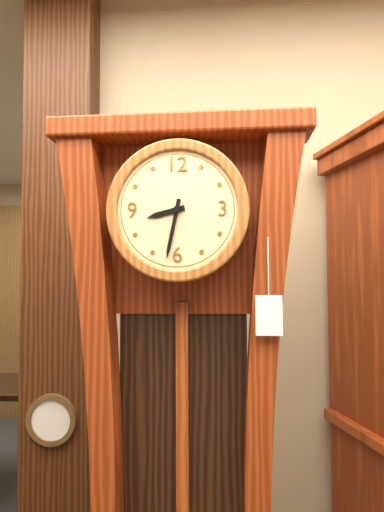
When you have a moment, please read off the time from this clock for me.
8:32
